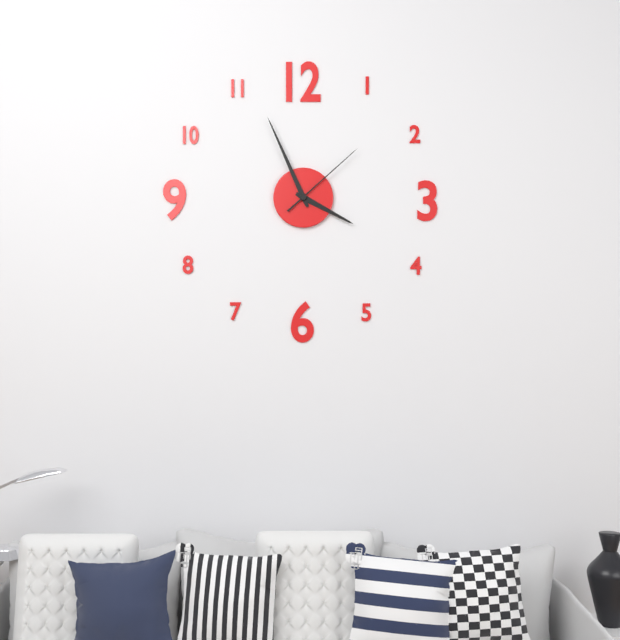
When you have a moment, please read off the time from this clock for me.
3:56:08
